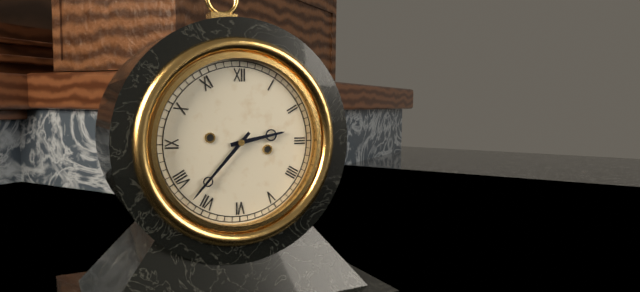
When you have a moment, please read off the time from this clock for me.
2:37
